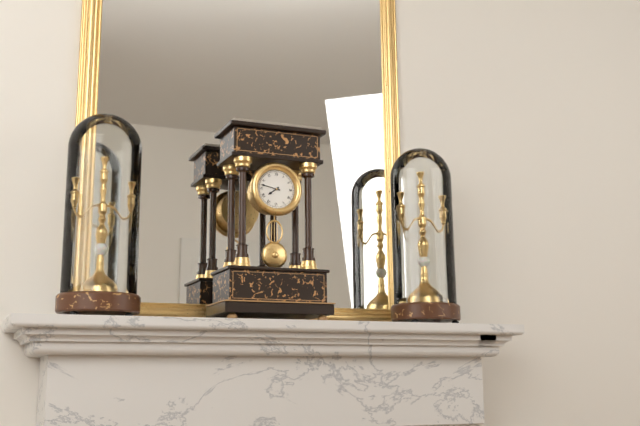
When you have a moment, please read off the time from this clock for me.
7:47
